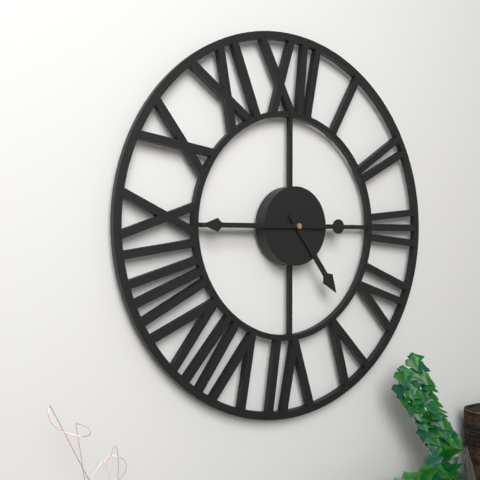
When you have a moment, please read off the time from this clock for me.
4:45
